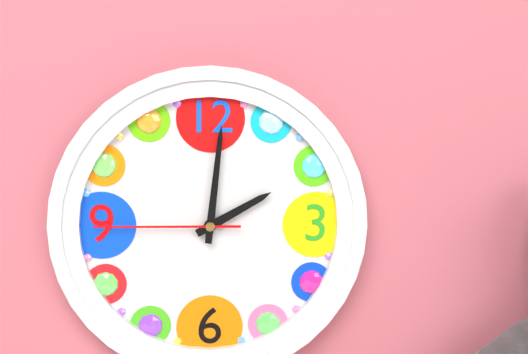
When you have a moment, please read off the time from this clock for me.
2:01:45
